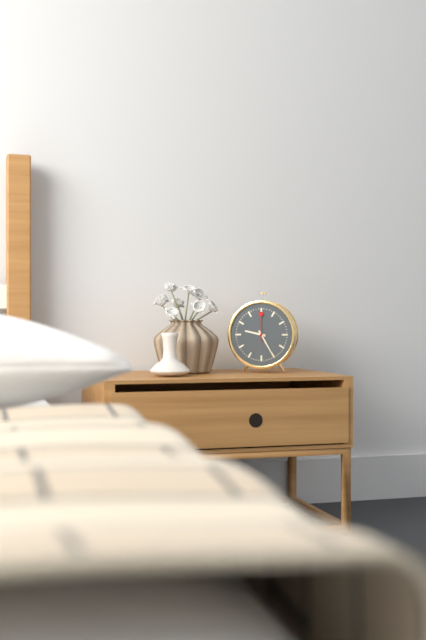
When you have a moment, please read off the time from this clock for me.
9:25
